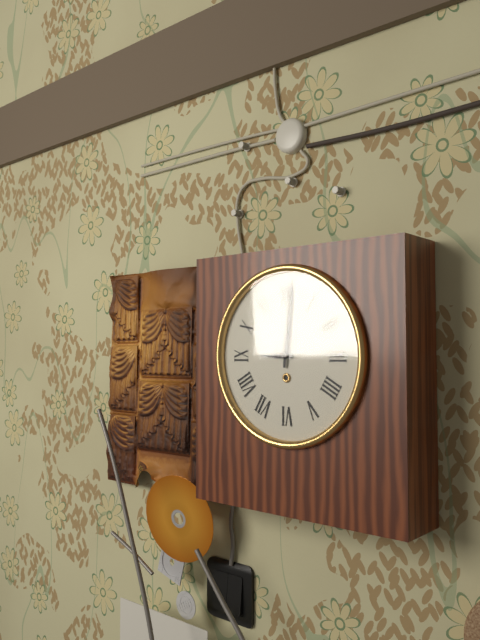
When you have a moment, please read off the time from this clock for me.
9:01
